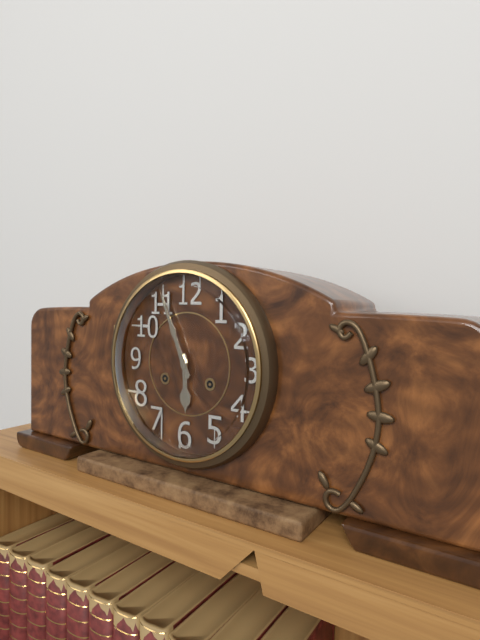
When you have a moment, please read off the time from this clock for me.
5:56
